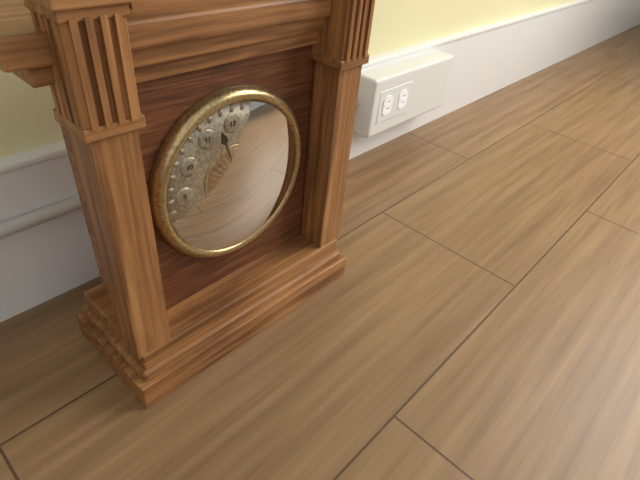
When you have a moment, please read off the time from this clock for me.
6:57
